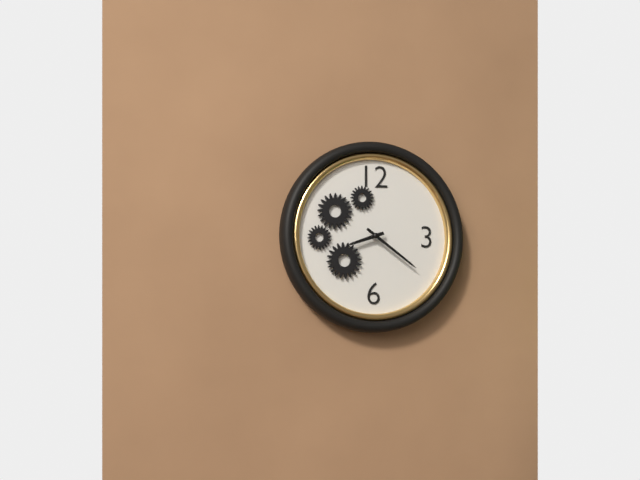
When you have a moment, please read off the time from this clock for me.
8:21
